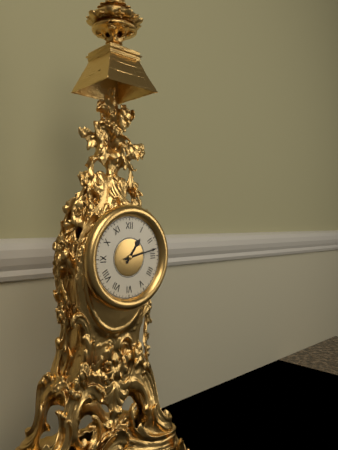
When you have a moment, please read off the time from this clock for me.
1:13
